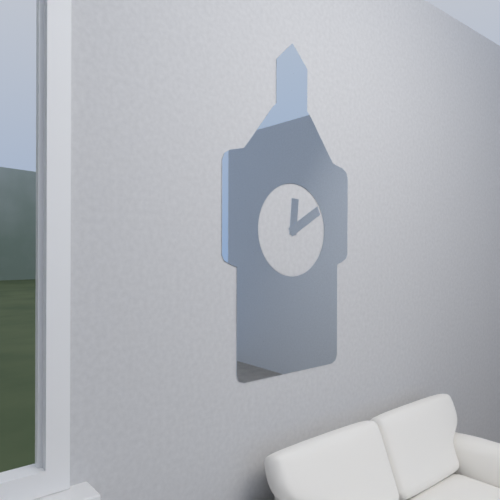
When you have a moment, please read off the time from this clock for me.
12:10
